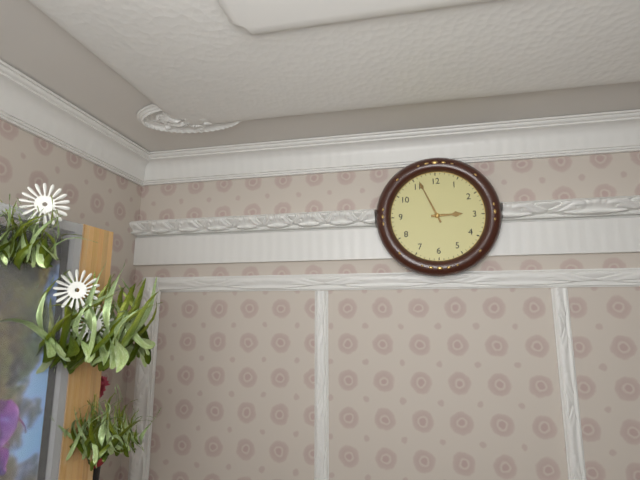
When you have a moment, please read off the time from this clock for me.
2:56
